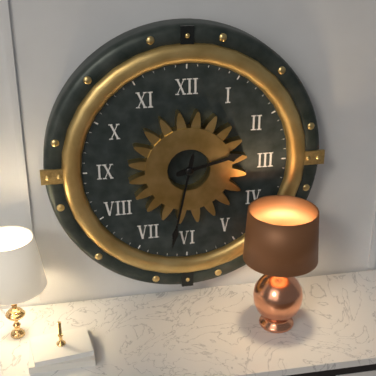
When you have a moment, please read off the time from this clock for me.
2:32
